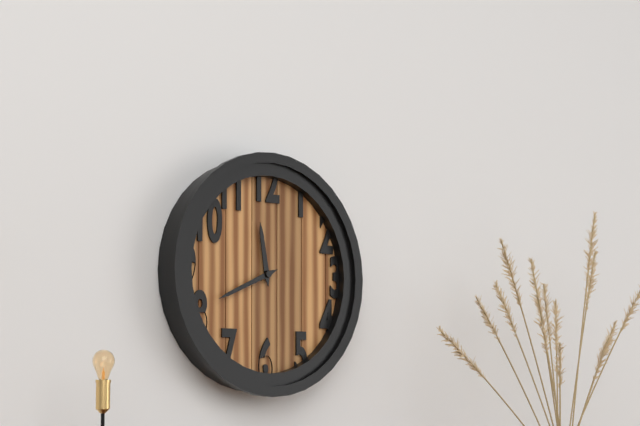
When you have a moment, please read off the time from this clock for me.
11:41
